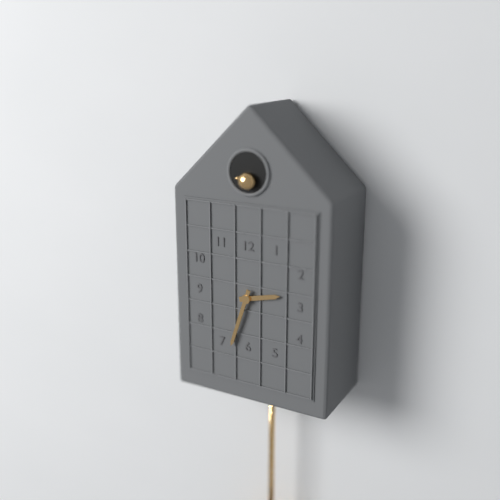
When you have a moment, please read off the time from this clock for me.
2:33
